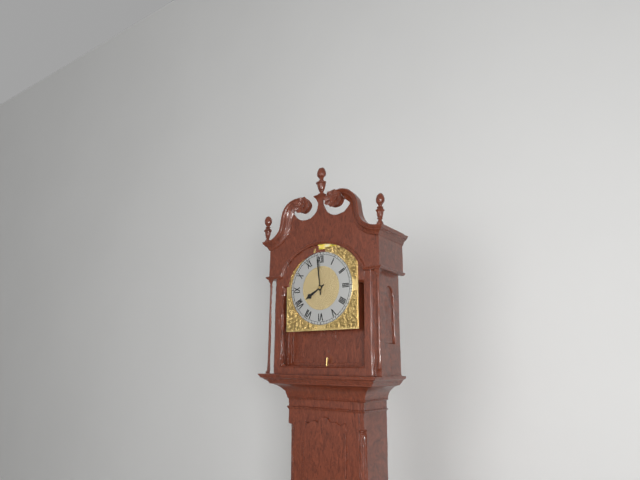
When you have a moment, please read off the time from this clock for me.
7:59
